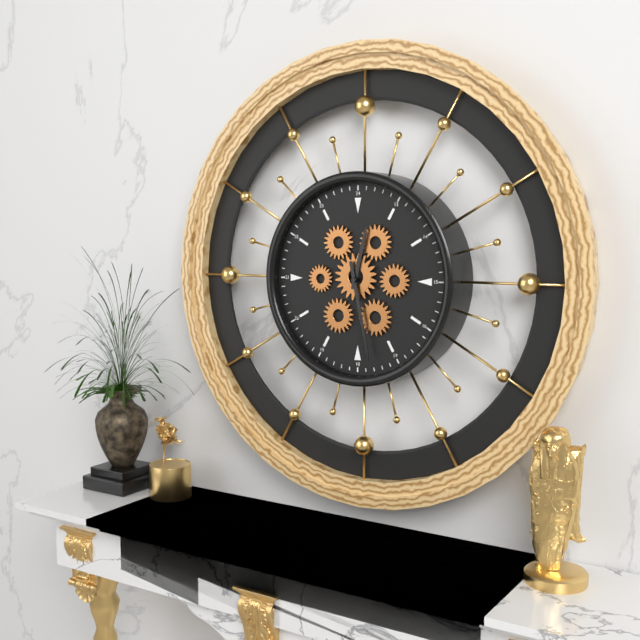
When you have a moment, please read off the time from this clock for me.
12:28
